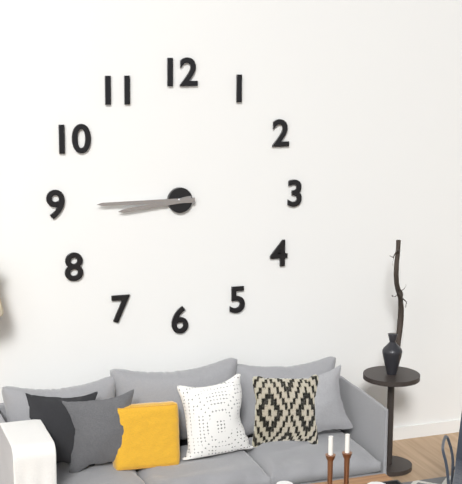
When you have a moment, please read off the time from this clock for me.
8:45
